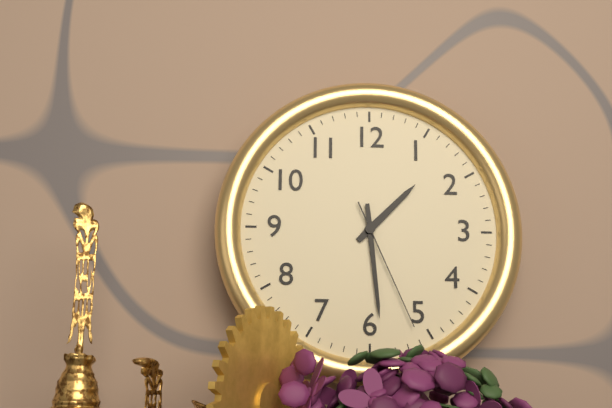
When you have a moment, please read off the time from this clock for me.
1:29:26
